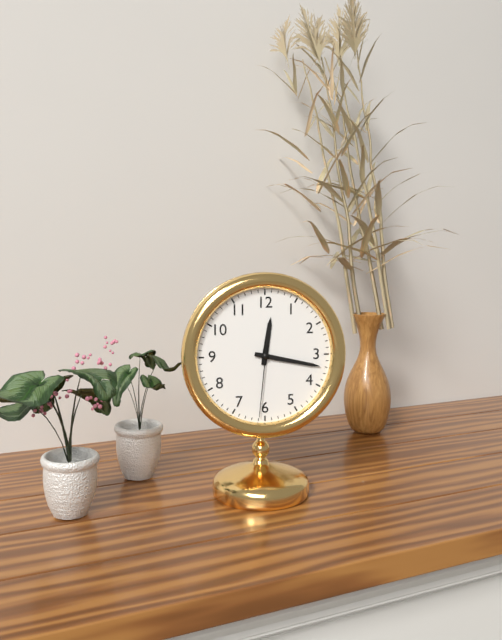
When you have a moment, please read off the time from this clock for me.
12:17:31
